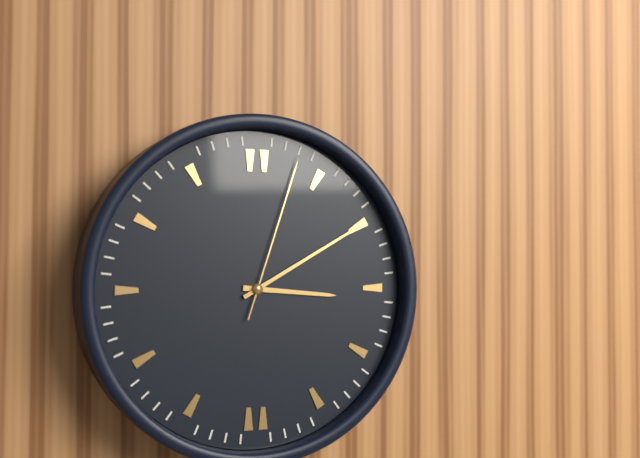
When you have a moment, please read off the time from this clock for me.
3:10:03
